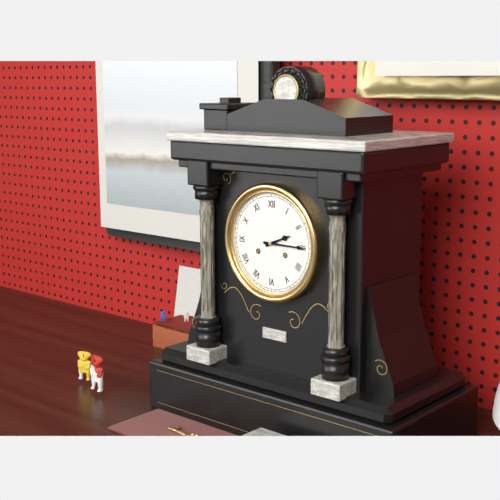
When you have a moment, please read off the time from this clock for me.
2:15
